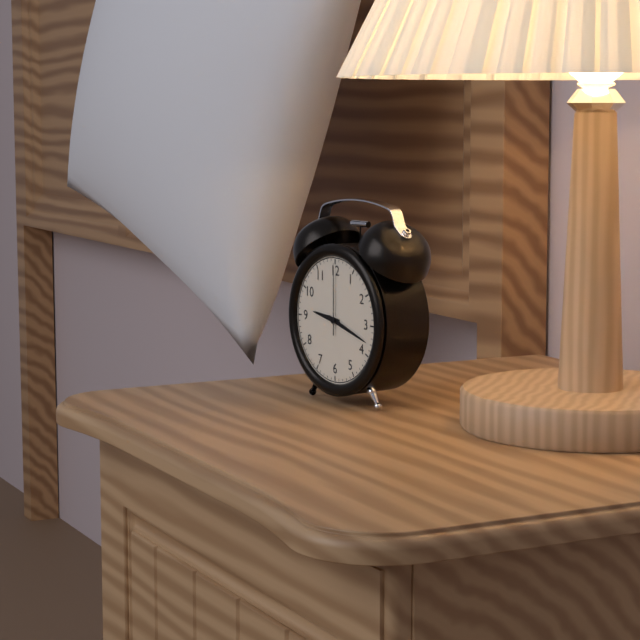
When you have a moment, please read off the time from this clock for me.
9:18:00
